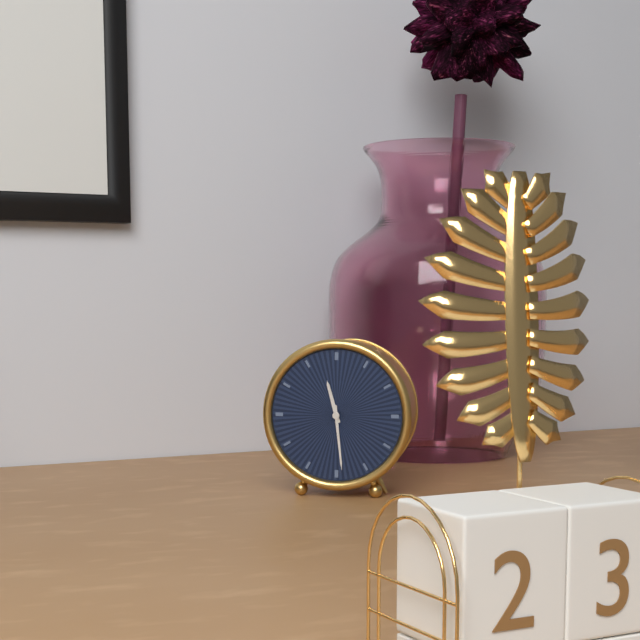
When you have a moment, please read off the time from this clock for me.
11:29
